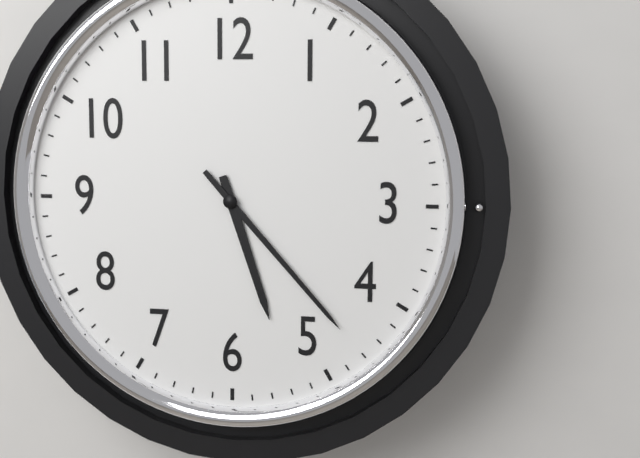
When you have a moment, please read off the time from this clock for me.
5:23
